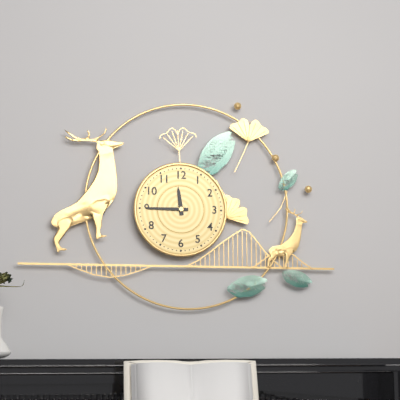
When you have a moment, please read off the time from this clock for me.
11:45
